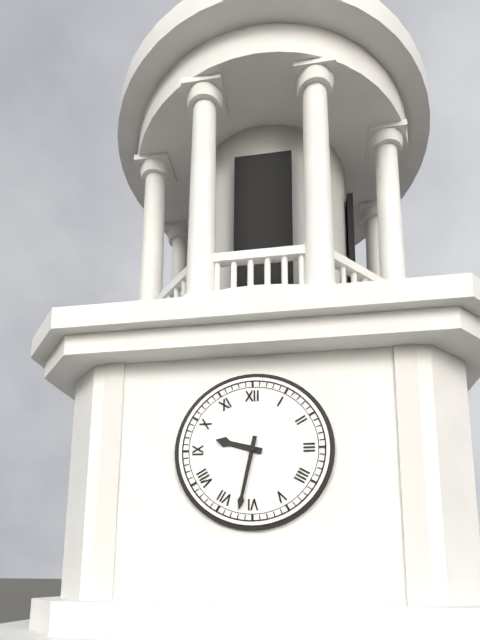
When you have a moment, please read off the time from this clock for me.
9:32
